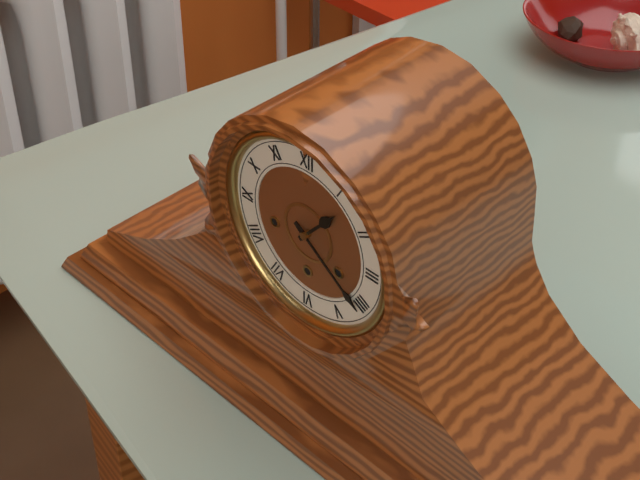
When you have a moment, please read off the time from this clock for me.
1:21
